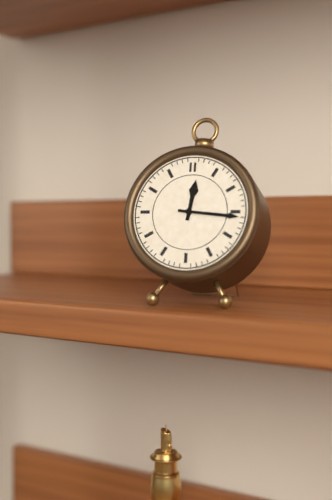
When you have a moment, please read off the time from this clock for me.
12:16
